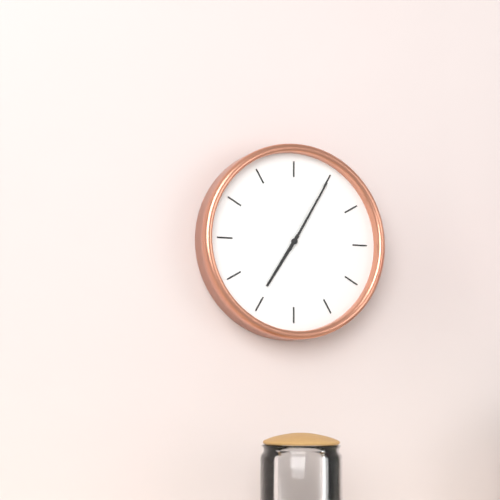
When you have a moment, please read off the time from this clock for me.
7:05
